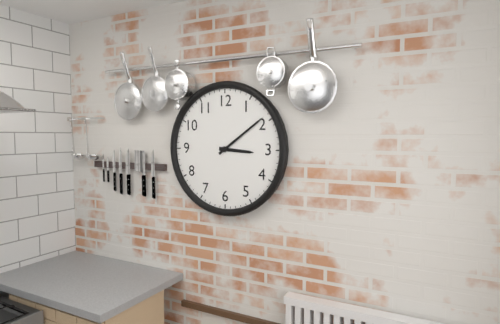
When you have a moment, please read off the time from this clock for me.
3:09
